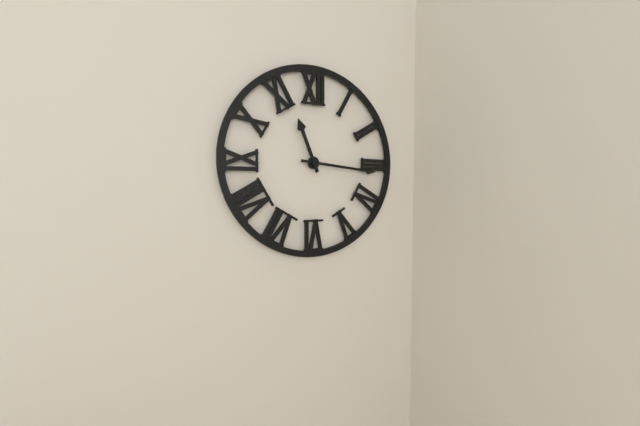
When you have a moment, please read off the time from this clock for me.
11:16
